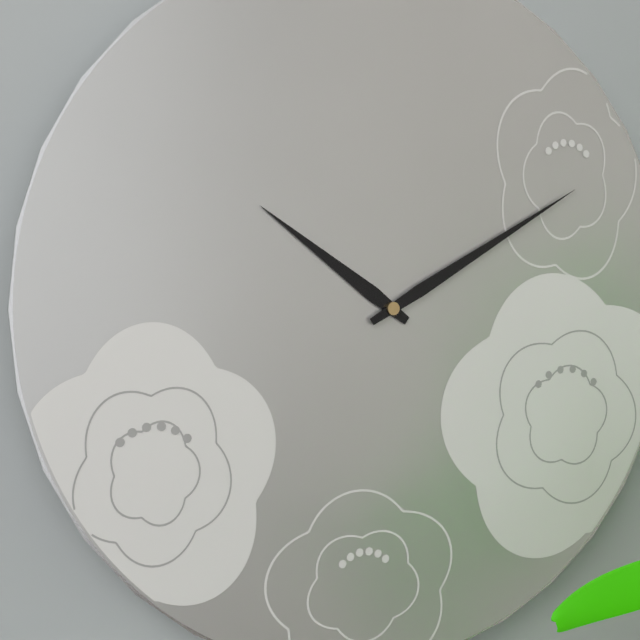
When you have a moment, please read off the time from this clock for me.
10:10
